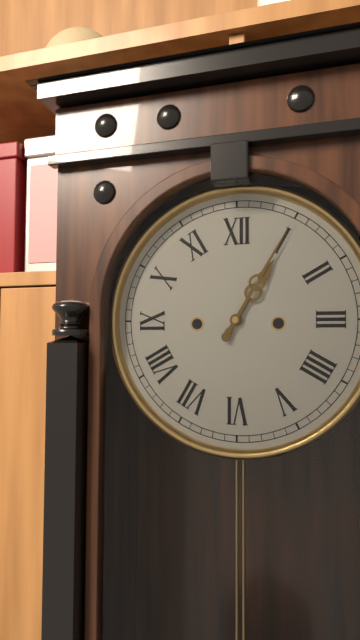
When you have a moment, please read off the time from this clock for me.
1:05
